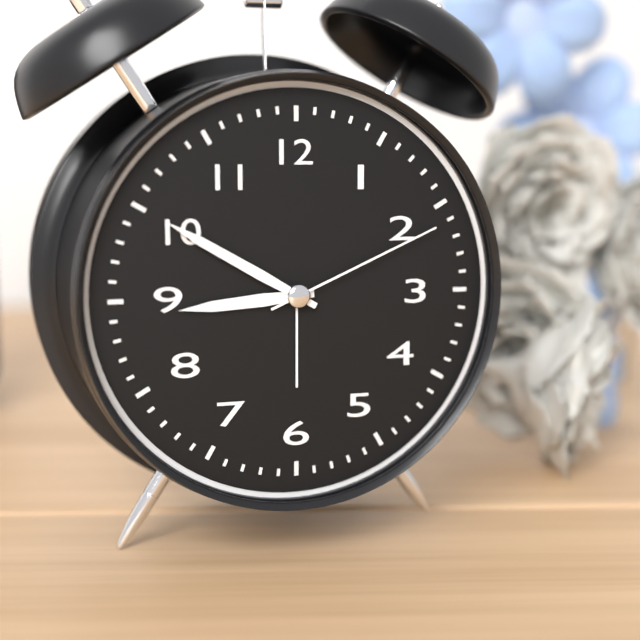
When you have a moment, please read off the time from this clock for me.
8:50:11
